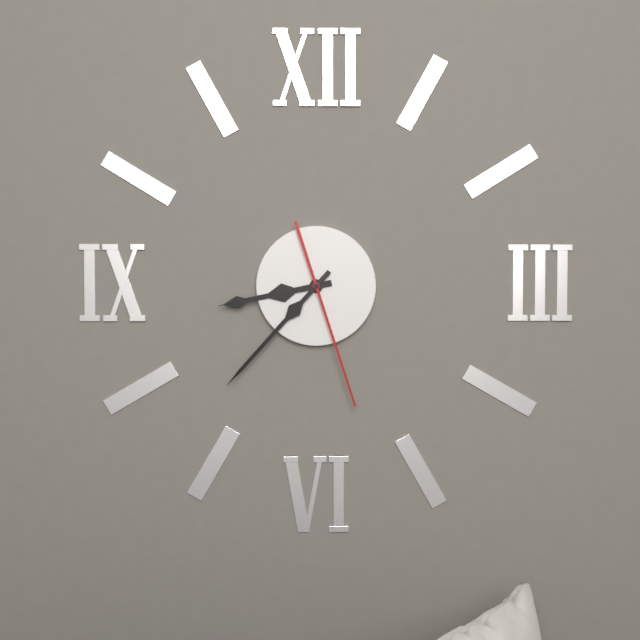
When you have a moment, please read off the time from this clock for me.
8:37:27
